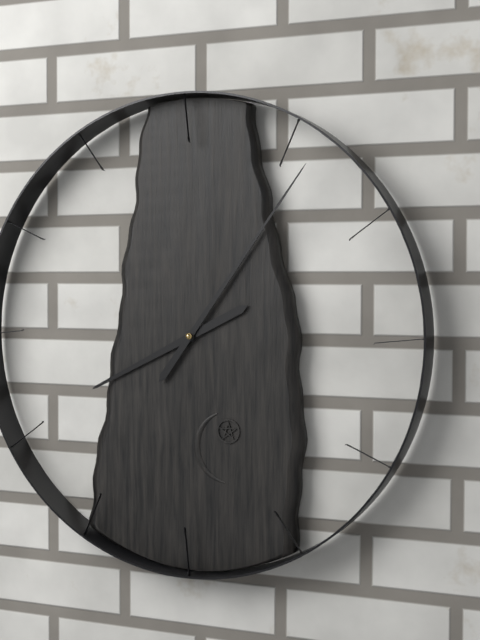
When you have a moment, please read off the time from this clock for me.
8:06
